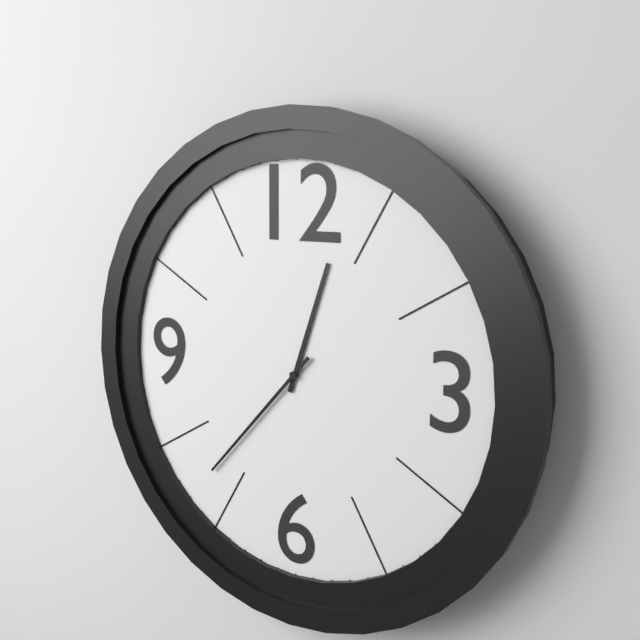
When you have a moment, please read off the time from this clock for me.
12:37
